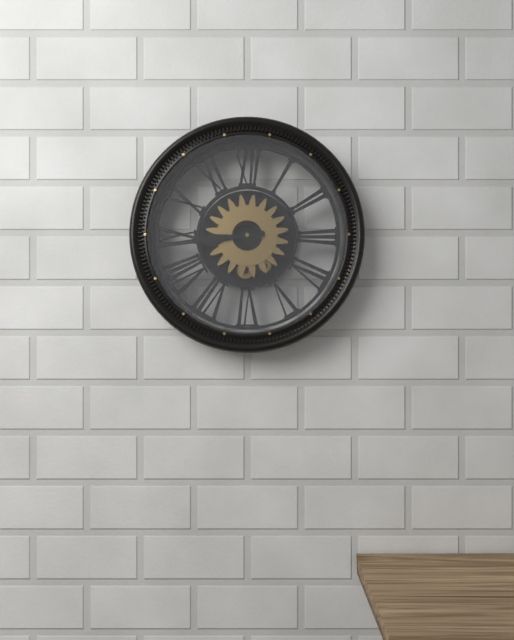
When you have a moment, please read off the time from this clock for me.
8:44
